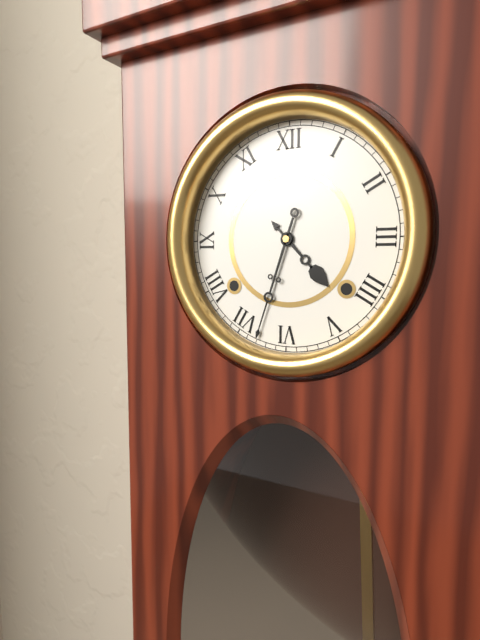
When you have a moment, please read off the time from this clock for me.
4:33
